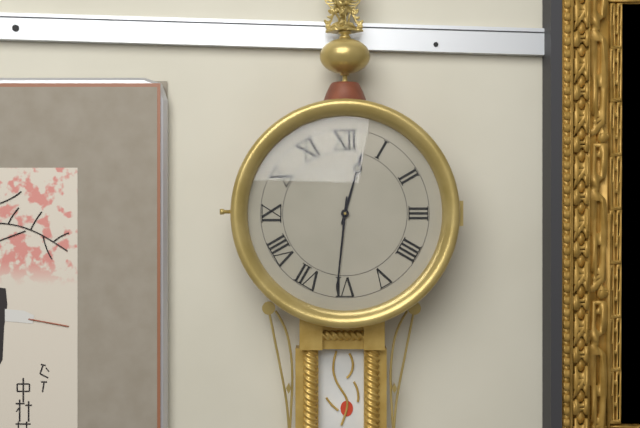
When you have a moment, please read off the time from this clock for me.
12:31
